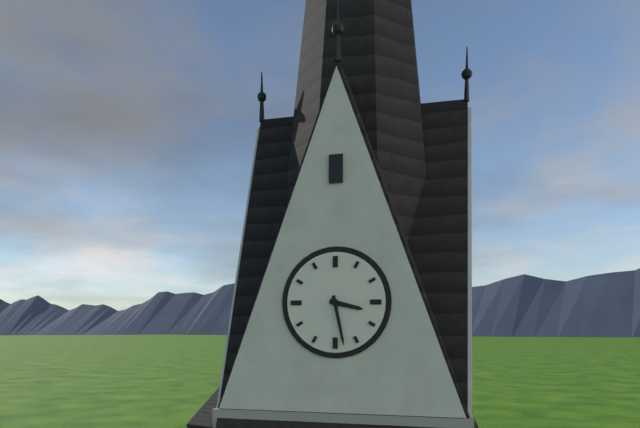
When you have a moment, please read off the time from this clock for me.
3:28
